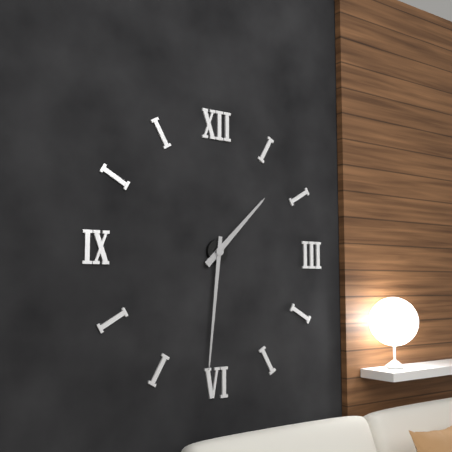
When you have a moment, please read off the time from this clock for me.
1:31
